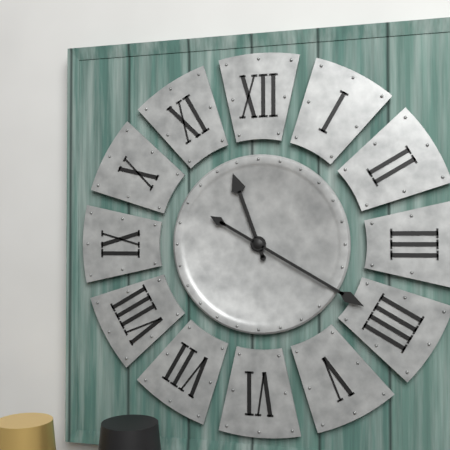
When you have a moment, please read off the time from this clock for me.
11:20
